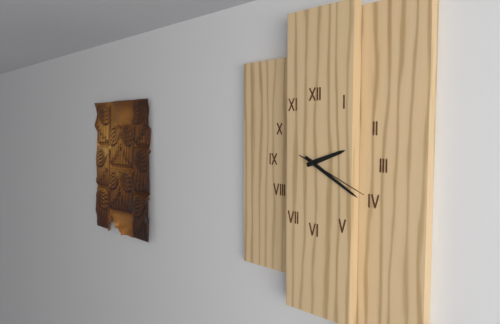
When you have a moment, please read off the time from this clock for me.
2:20:19
